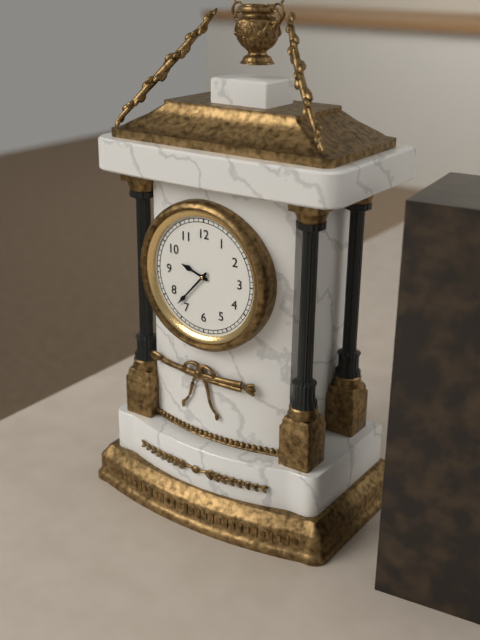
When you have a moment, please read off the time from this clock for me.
9:37
